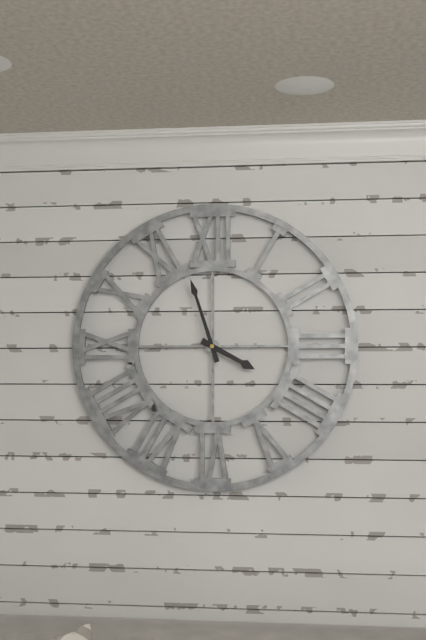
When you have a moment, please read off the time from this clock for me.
3:57
